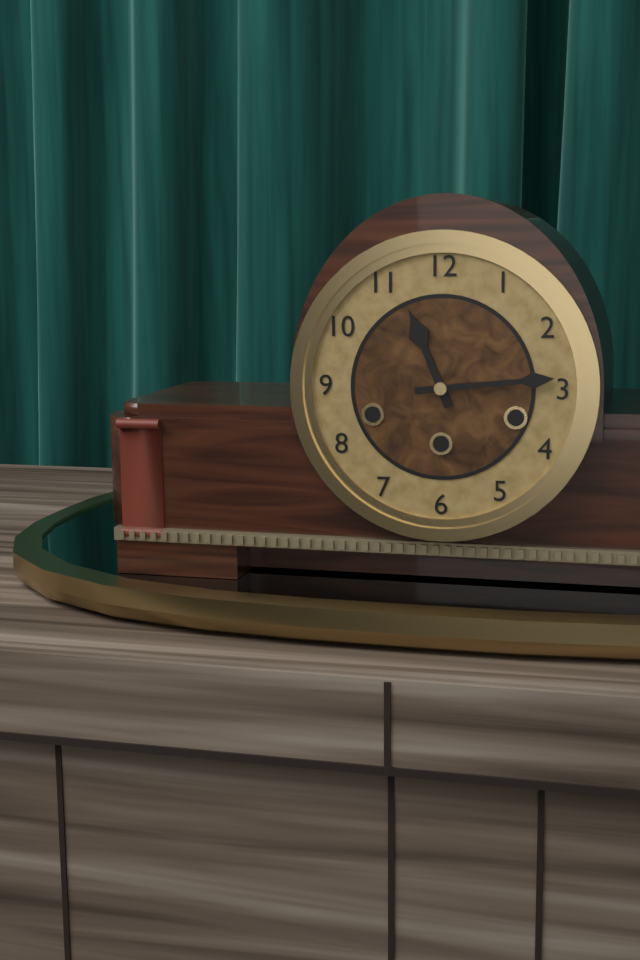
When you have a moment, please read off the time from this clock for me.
11:14
